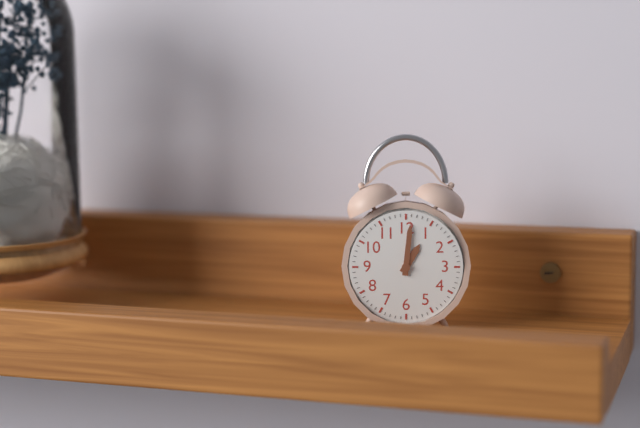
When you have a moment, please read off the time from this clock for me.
1:01
